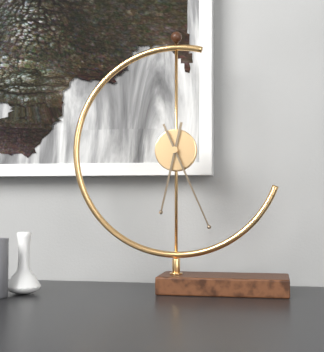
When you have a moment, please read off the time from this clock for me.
6:26
